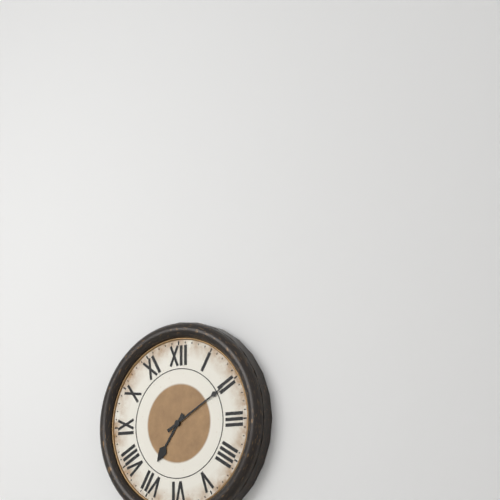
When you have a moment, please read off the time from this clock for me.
7:10
